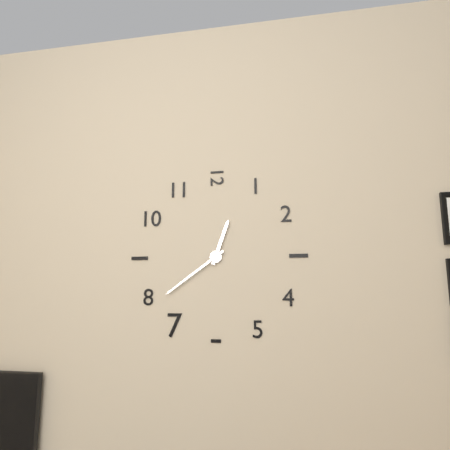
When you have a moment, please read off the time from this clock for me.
12:39
